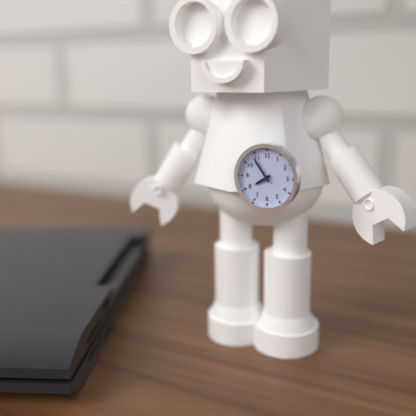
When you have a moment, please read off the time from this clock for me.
7:54
